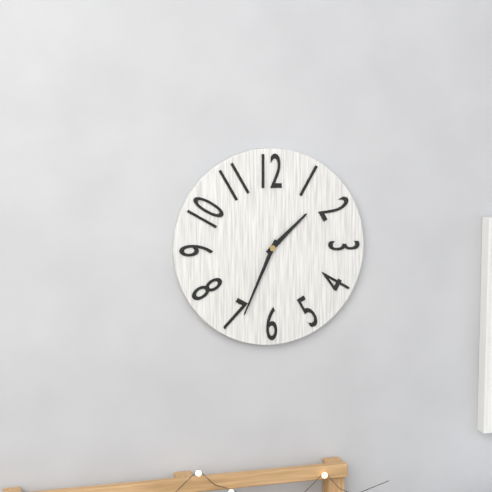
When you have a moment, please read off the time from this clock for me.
1:34
